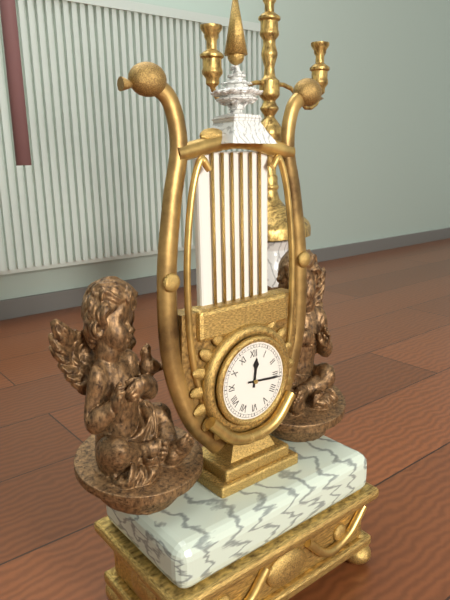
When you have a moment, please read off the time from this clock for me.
12:16
